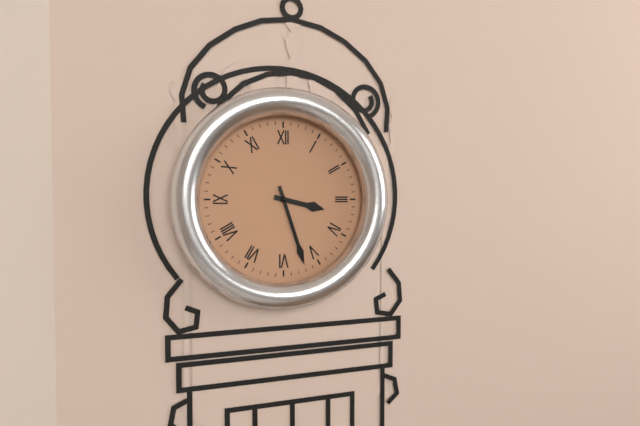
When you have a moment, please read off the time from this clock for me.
3:27
